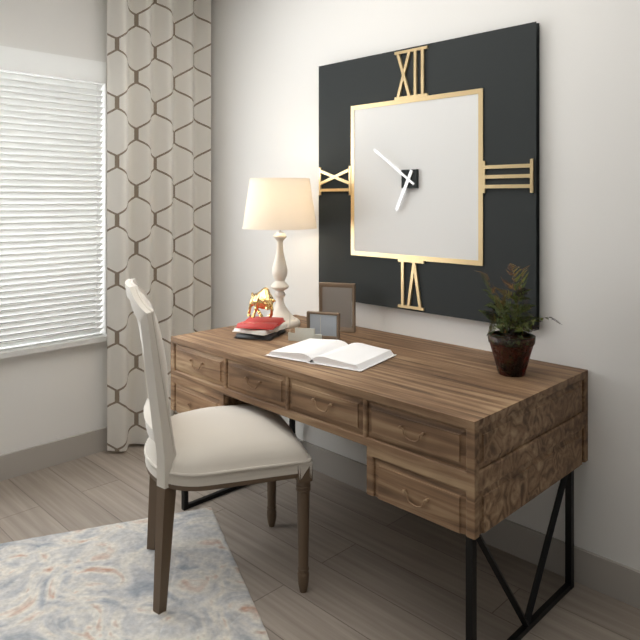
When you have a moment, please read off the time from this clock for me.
6:51
